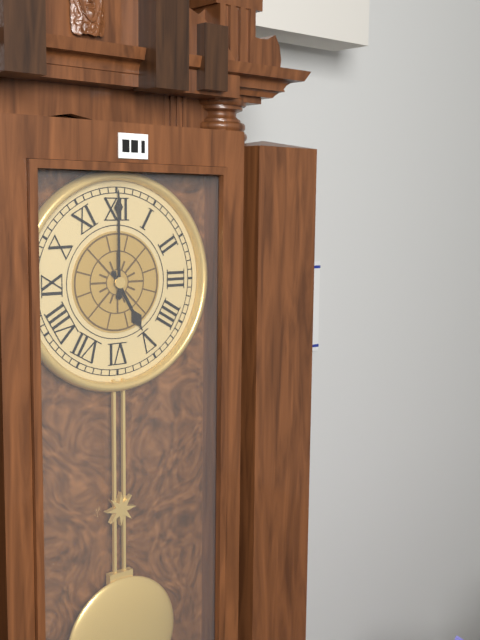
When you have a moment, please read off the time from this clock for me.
5:00
